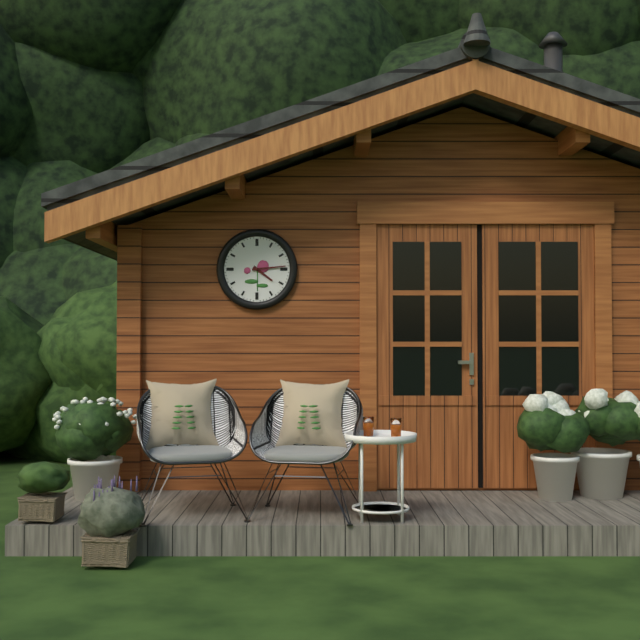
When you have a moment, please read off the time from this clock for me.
4:14
